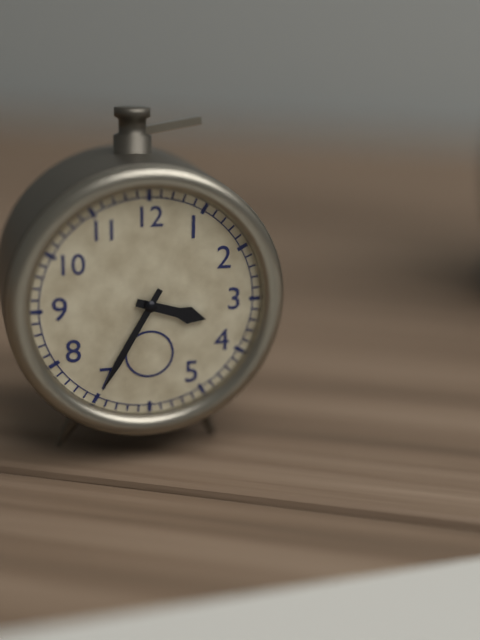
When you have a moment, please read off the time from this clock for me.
3:35
